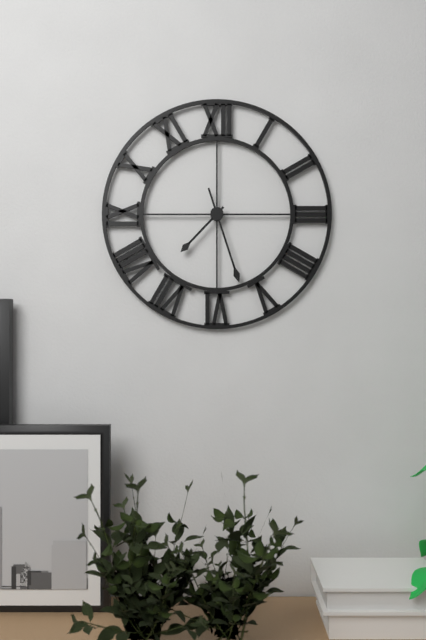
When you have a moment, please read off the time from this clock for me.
7:27
